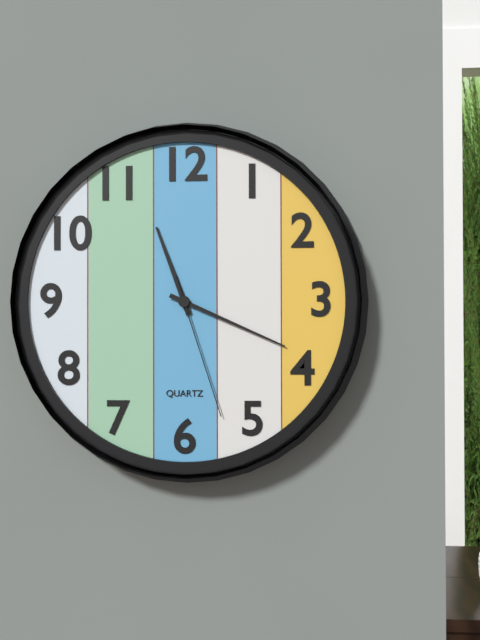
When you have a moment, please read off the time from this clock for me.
11:19:27
